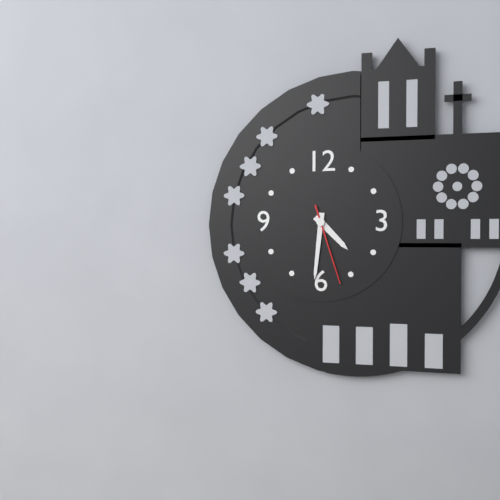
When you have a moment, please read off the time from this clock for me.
4:31:27
